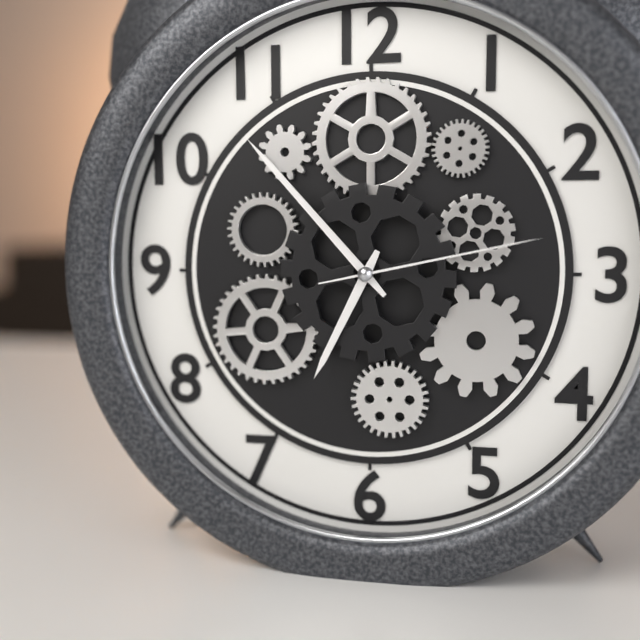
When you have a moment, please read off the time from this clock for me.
6:53:13
